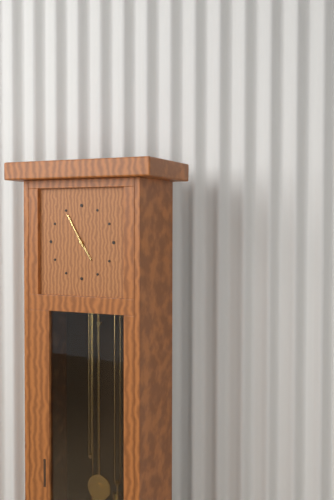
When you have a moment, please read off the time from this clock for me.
4:55
